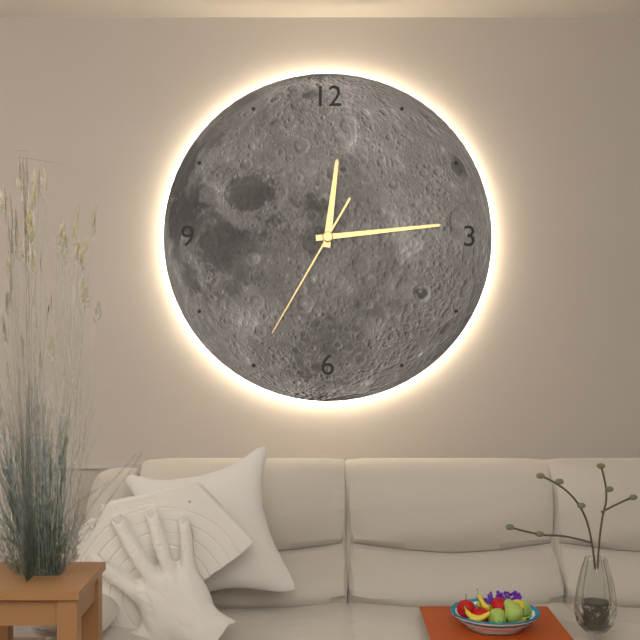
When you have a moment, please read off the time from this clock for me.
12:14:35
